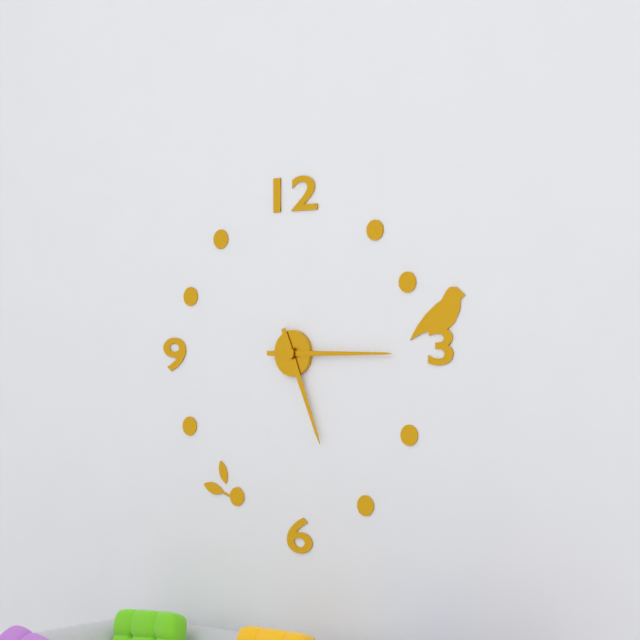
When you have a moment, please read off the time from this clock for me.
5:15
